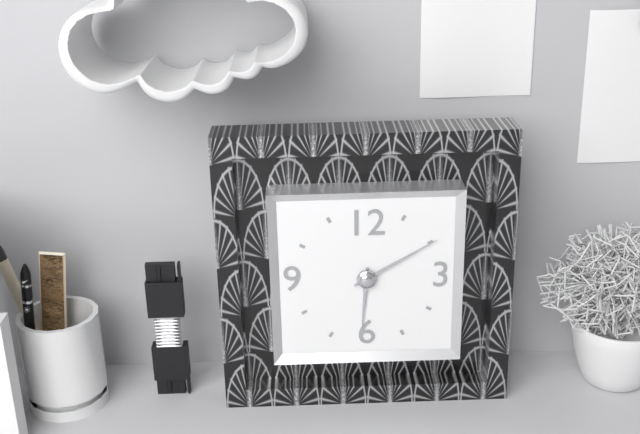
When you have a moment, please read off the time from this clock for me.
6:10
